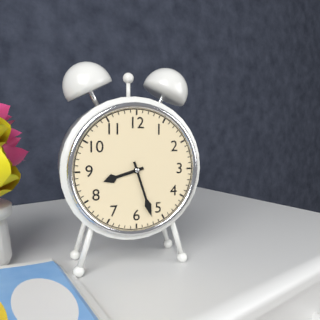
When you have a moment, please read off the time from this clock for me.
8:27
